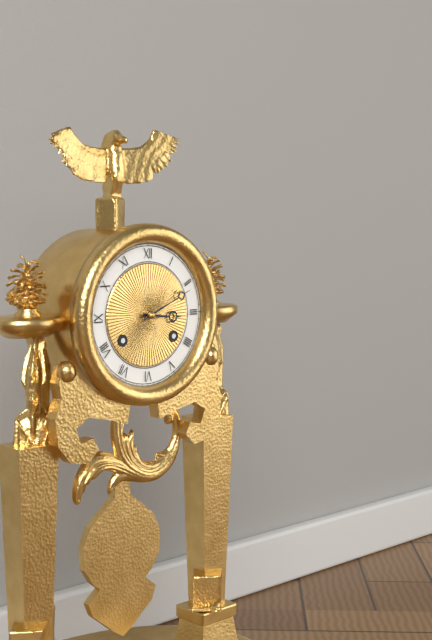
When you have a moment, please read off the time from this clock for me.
3:11
